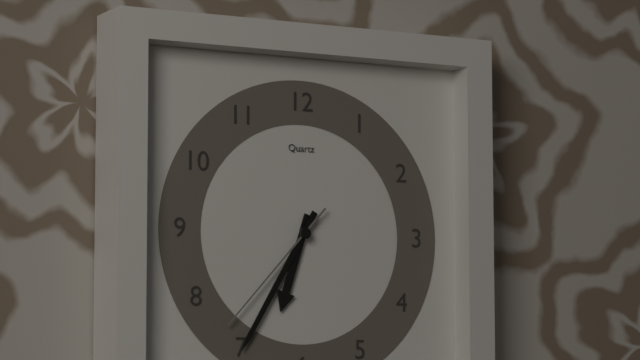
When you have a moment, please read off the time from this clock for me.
6:35:37
